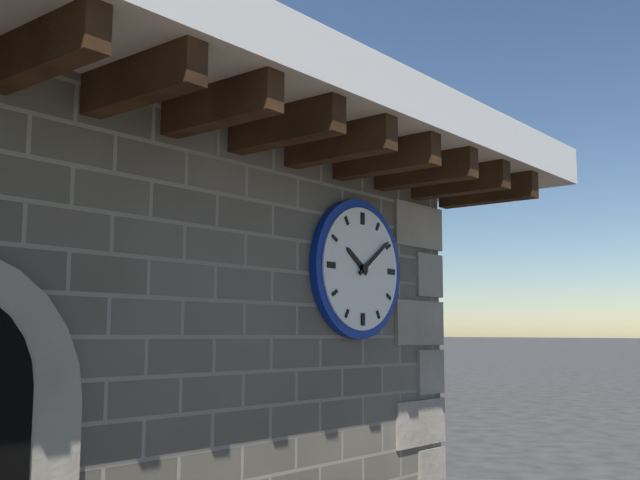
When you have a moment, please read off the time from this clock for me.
10:09
